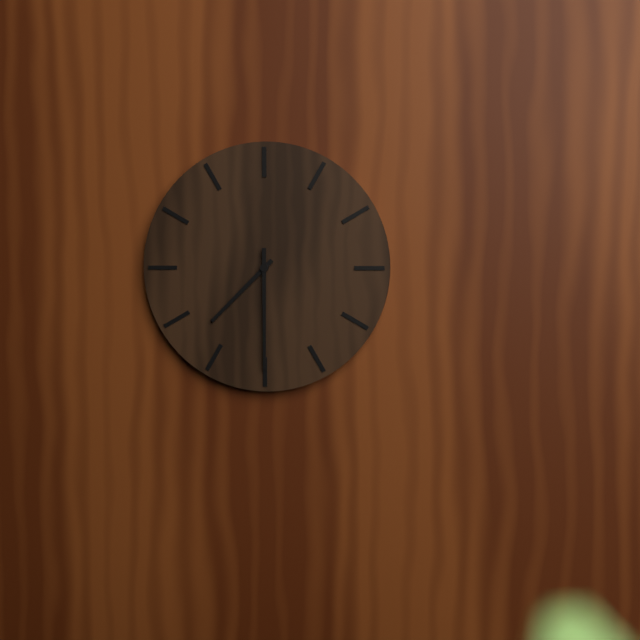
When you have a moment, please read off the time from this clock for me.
7:30
